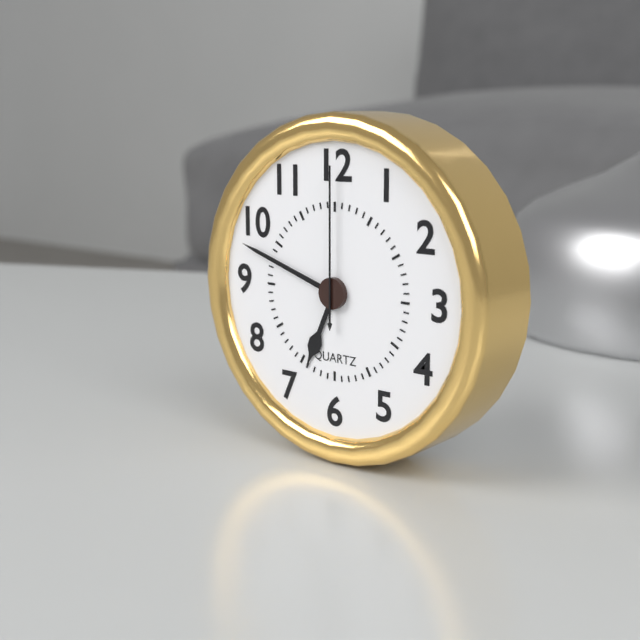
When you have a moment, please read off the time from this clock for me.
6:48:00
